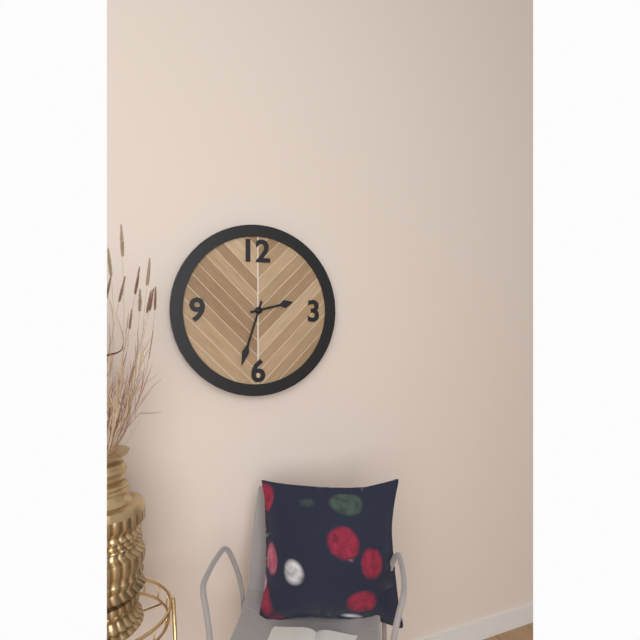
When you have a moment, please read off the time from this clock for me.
2:33
